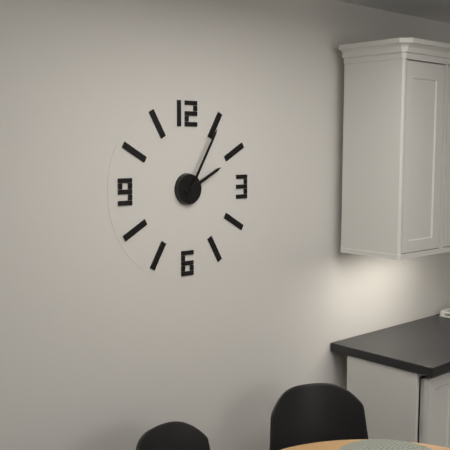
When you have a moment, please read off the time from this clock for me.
2:05
